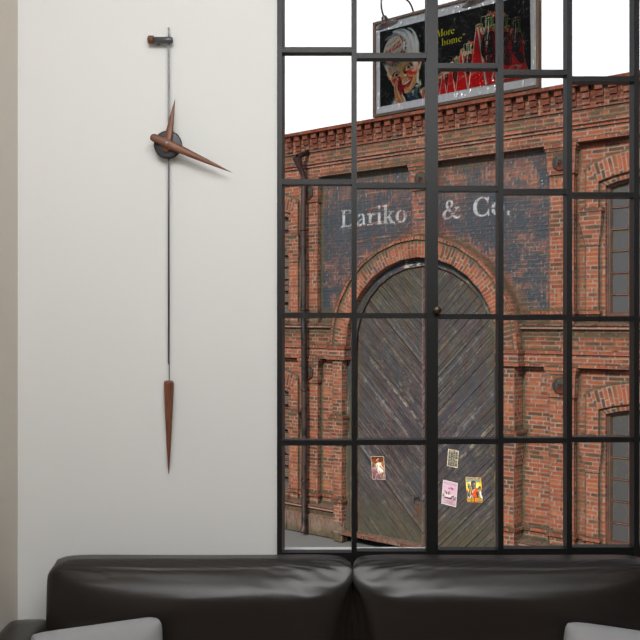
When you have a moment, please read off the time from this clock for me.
12:19
